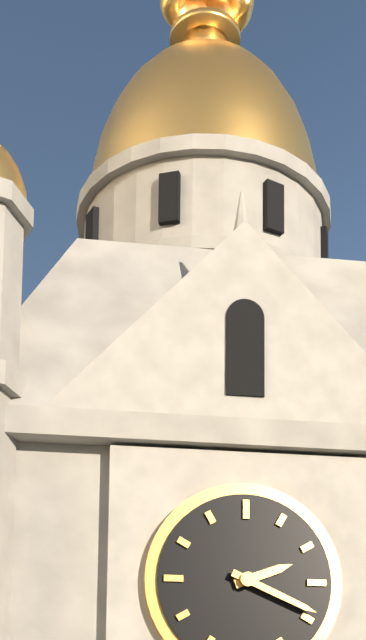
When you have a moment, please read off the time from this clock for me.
2:19
